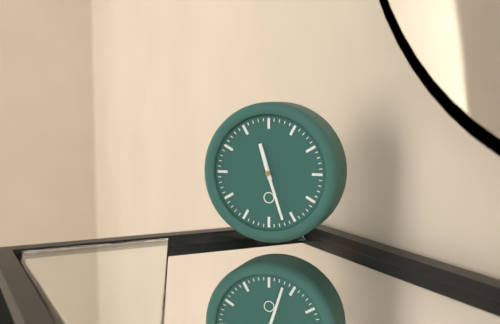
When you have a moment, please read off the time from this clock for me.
11:27
